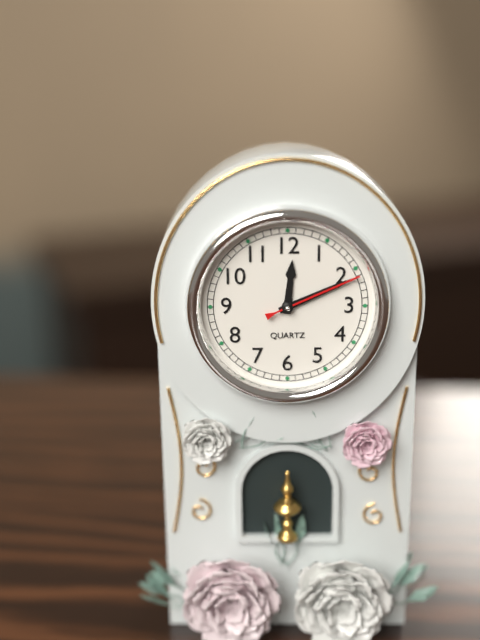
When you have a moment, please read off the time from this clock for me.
12:11:11
